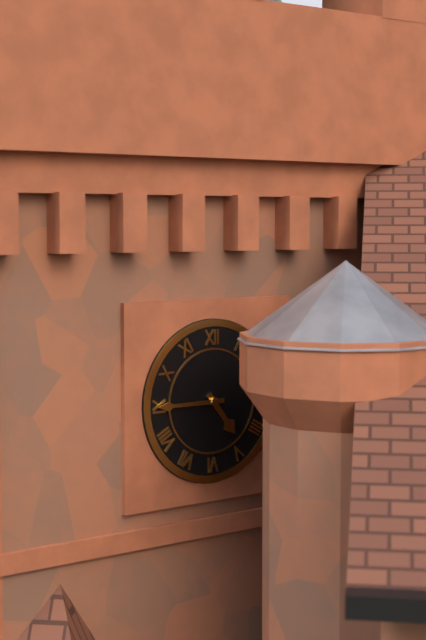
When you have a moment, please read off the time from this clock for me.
4:45
